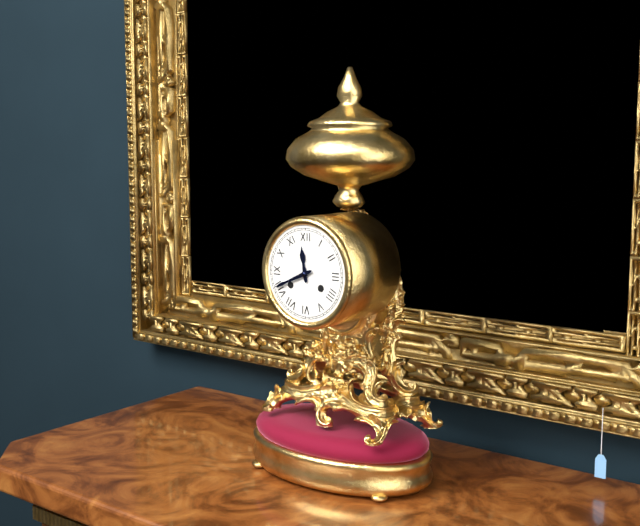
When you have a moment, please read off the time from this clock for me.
11:41
